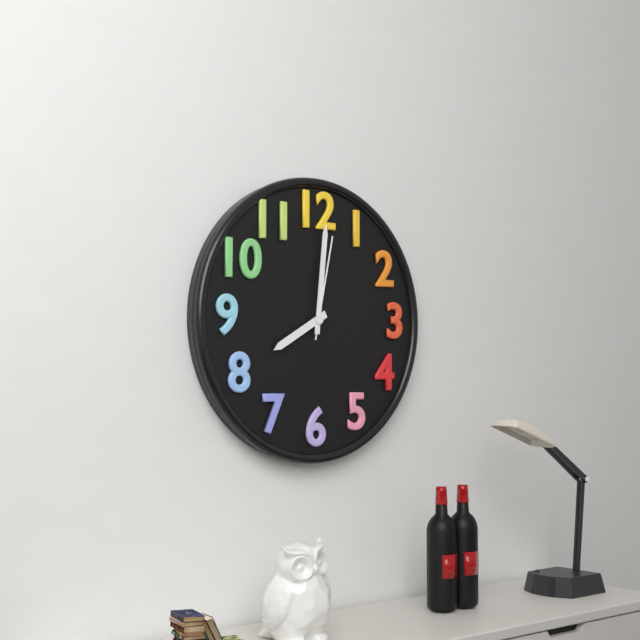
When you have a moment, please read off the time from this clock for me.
8:01:02
